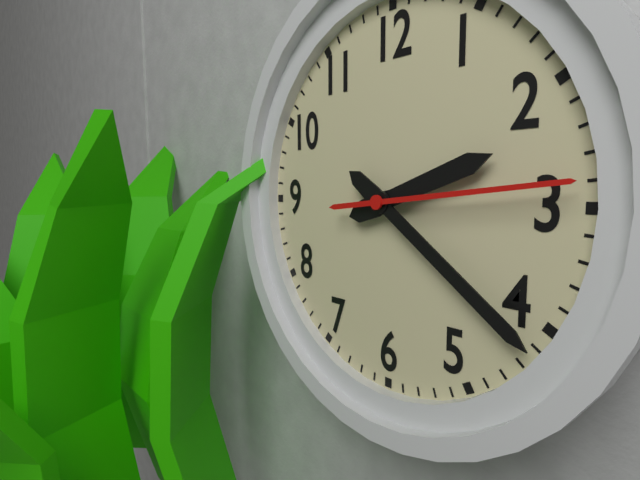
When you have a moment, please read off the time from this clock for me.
2:21:14
